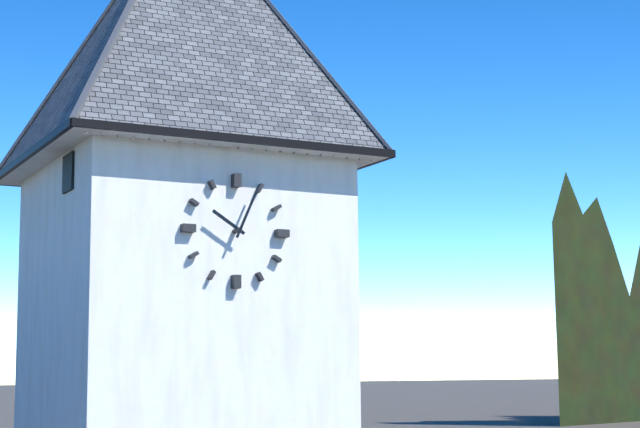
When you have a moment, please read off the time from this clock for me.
10:04
